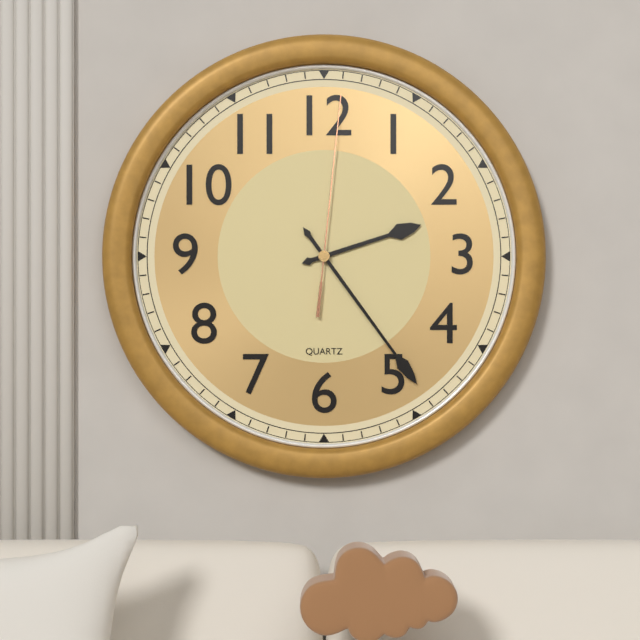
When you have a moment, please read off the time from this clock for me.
2:24:01
